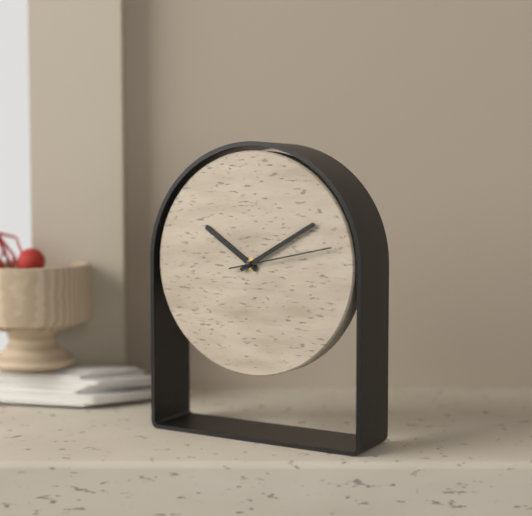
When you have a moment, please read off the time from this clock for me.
10:10:13
